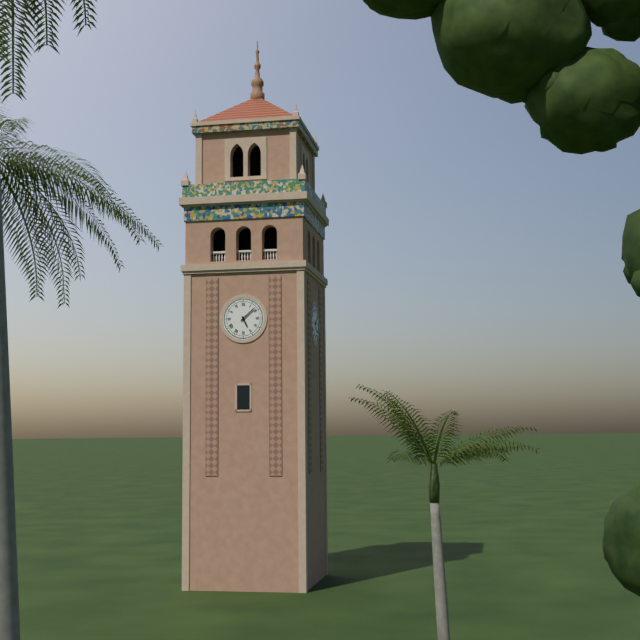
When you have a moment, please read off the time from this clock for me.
5:08
